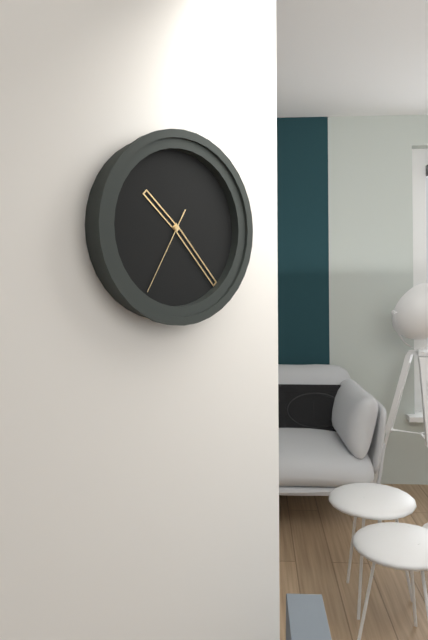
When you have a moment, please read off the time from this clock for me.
10:23:35
